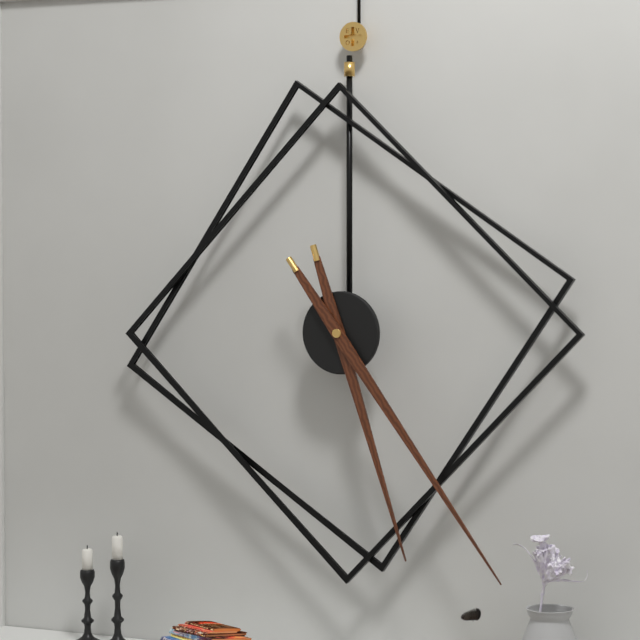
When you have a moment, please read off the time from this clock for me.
5:24
